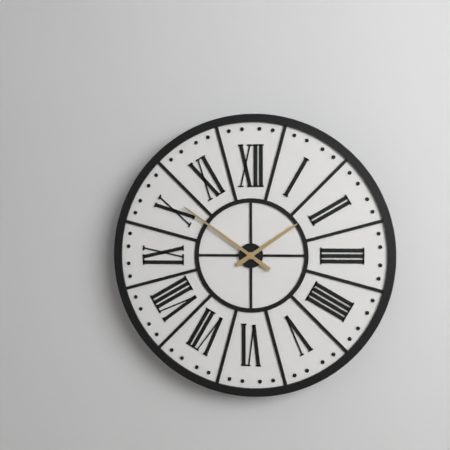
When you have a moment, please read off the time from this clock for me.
1:51
